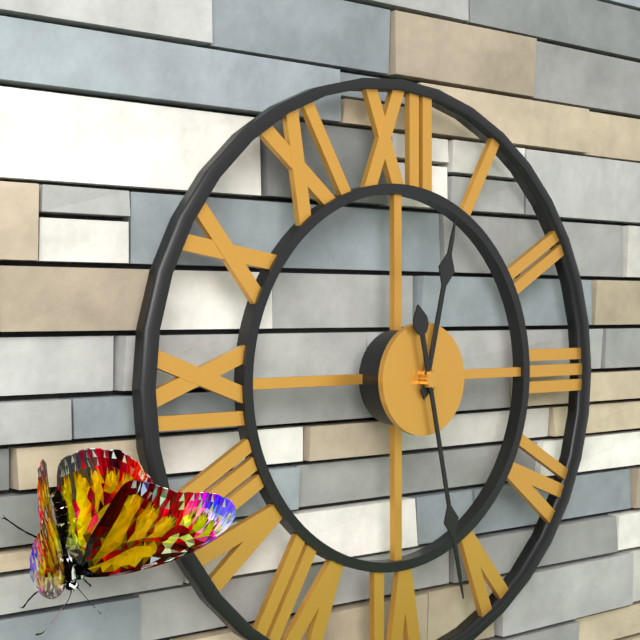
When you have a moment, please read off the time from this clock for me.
12:28
